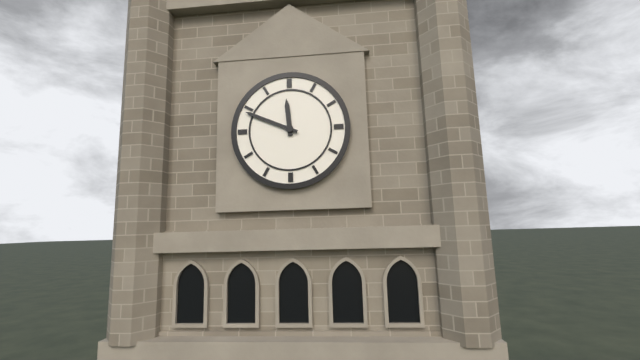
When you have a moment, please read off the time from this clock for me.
11:49
